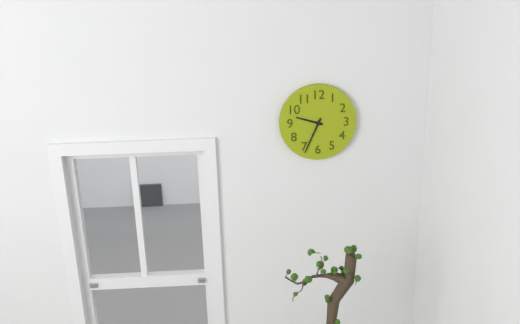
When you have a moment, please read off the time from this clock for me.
9:34
